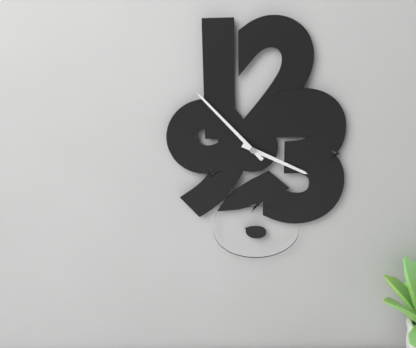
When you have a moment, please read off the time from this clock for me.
3:53
